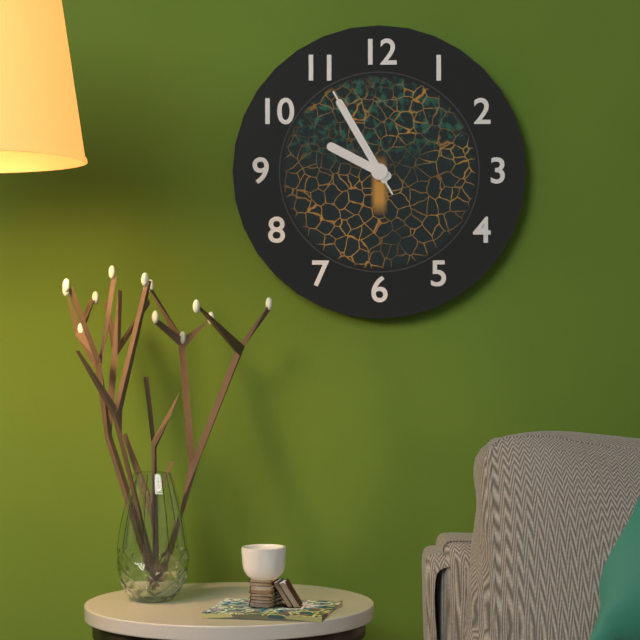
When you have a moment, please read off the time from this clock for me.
9:55:55
